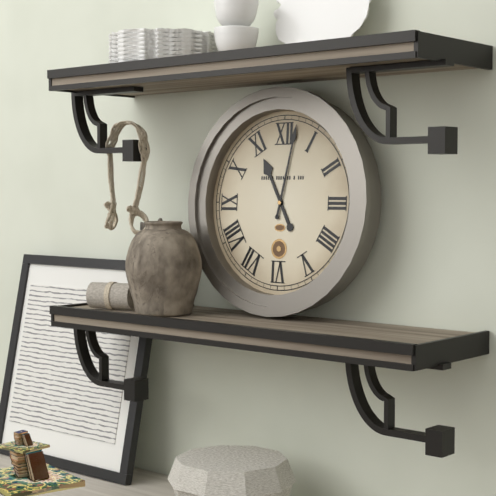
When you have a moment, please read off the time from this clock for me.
11:02
